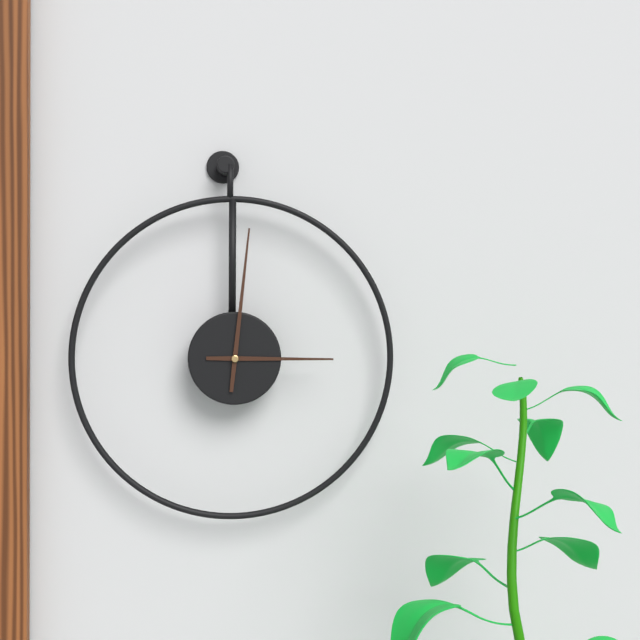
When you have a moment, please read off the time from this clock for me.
3:01
